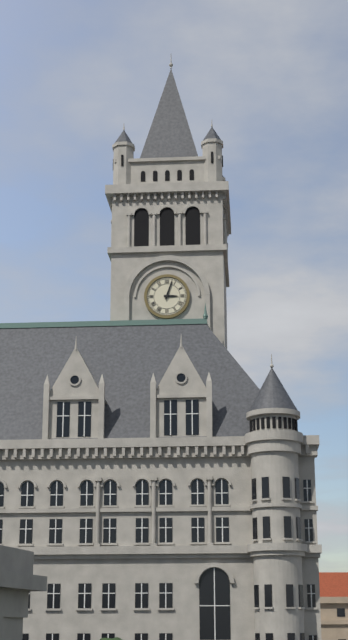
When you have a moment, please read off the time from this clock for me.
3:03
